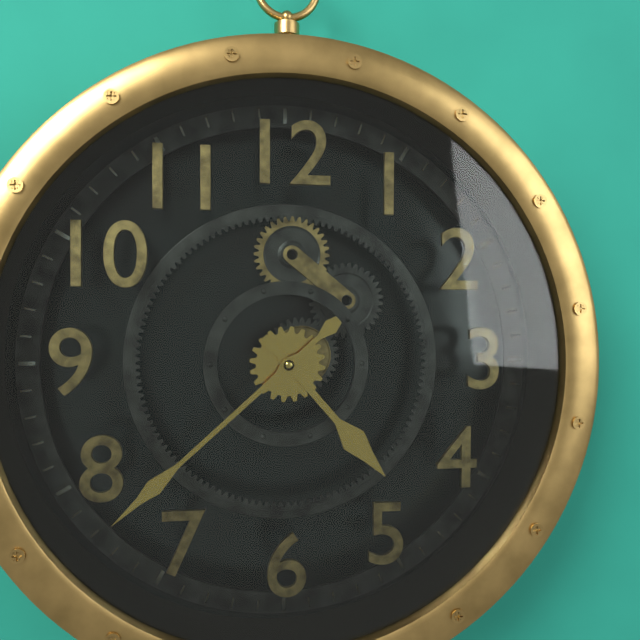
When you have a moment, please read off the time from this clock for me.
4:38
